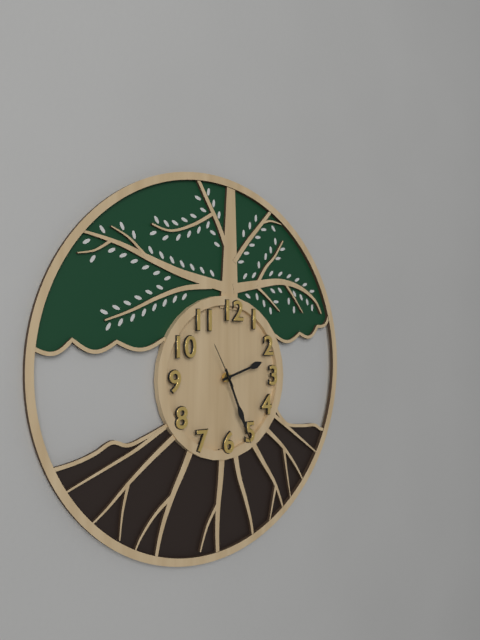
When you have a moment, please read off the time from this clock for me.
2:26
